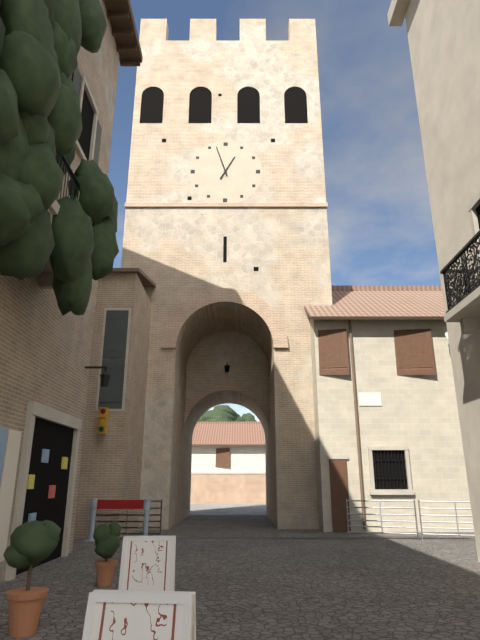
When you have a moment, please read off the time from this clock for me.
12:57
